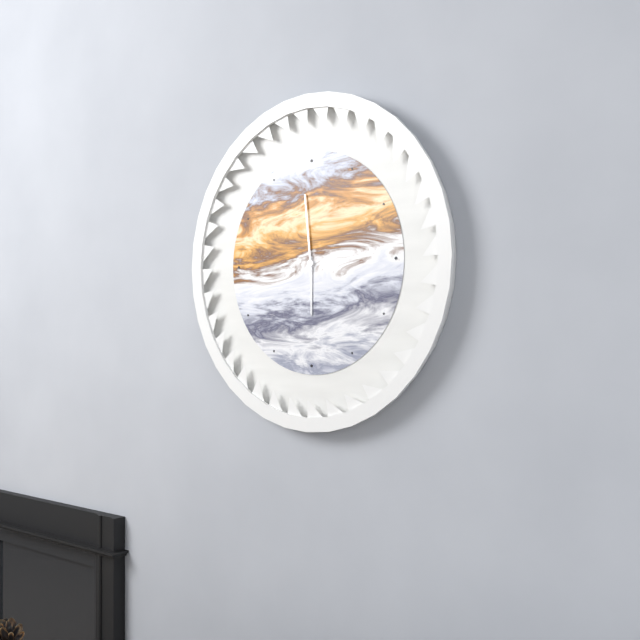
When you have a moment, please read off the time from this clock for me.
5:59
